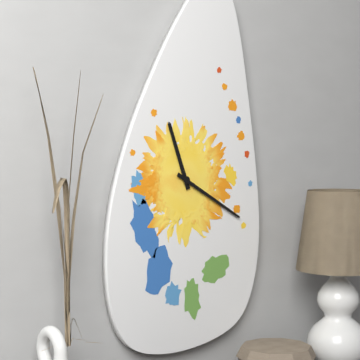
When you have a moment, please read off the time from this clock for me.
11:20
